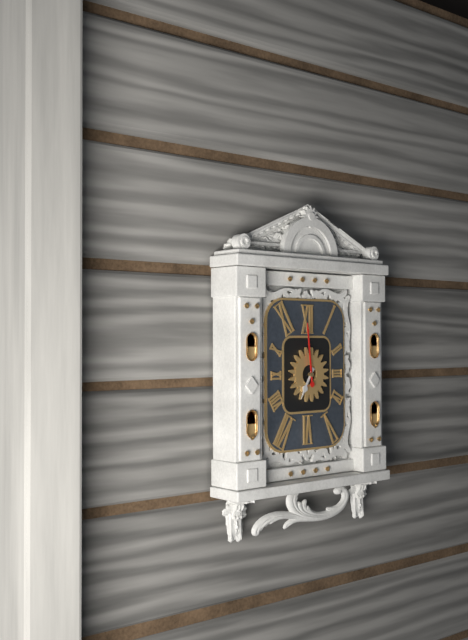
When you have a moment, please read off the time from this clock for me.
6:59
